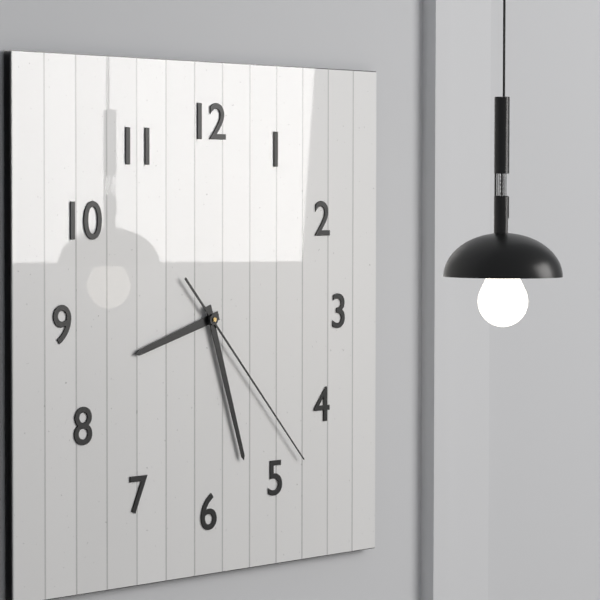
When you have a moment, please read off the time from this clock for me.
8:27:23
